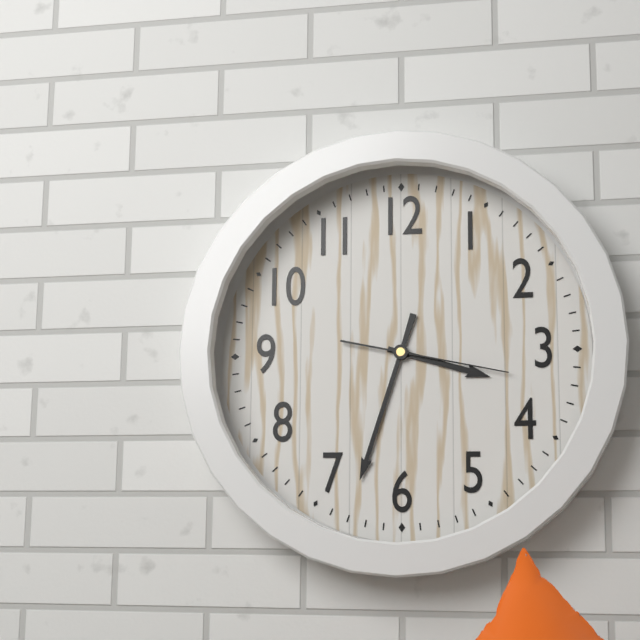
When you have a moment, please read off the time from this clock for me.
3:33:17
